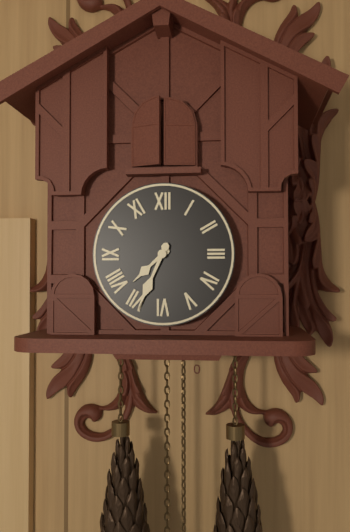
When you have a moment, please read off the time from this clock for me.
7:34
